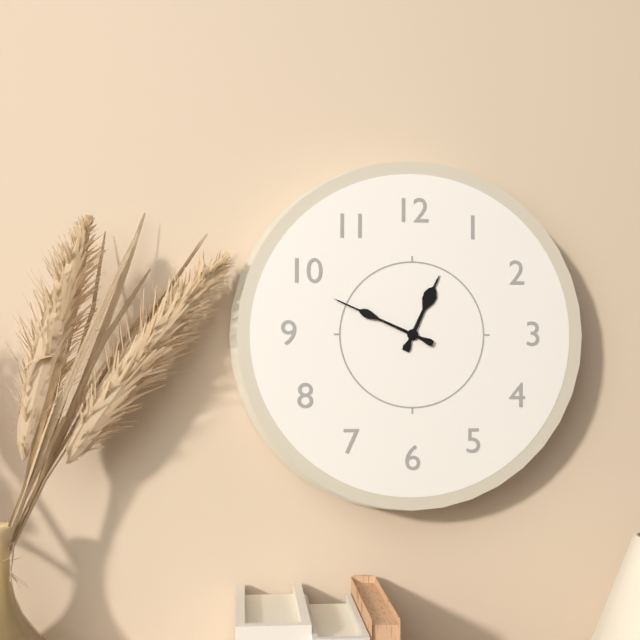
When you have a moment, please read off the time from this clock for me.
12:49
